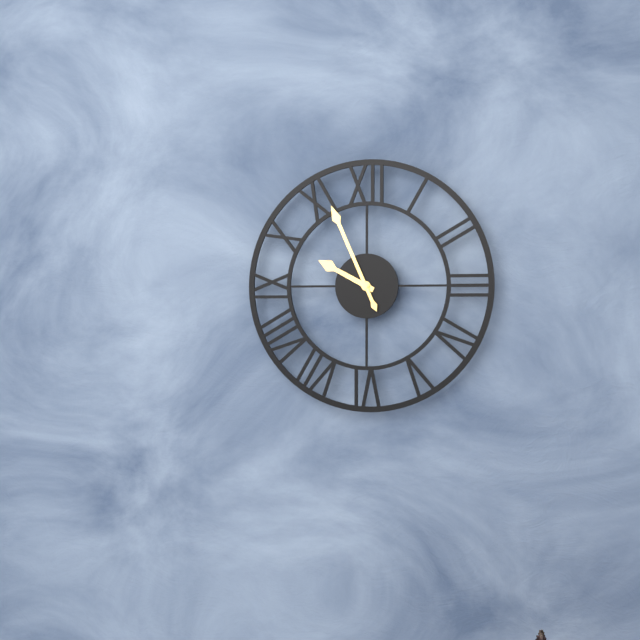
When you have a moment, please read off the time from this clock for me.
9:56
